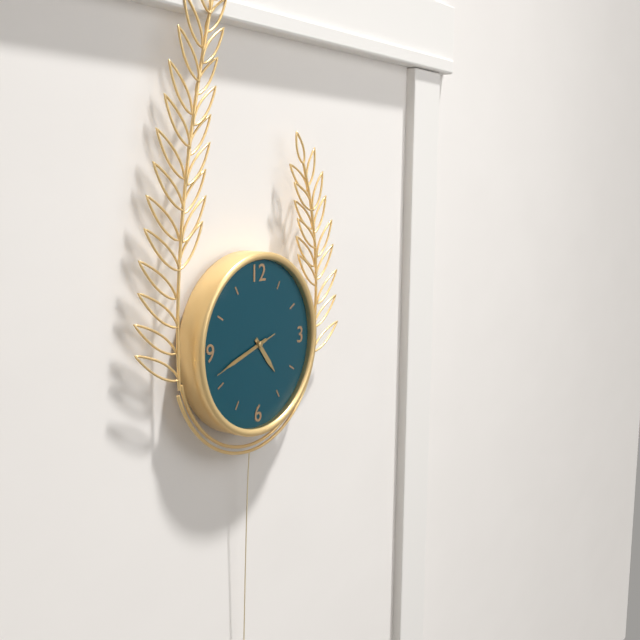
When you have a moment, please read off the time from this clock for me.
4:42:42
